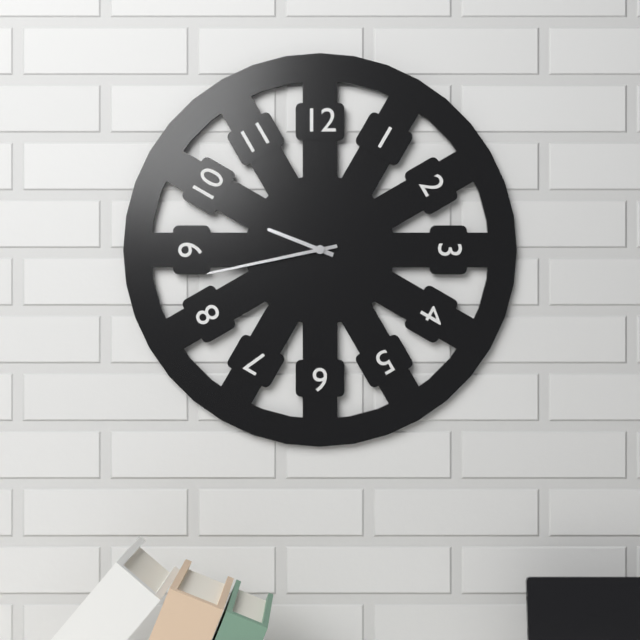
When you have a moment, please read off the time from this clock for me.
9:43
